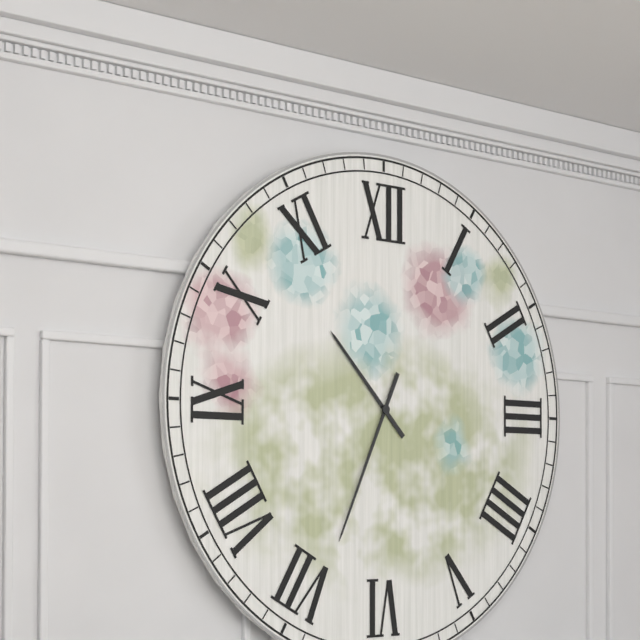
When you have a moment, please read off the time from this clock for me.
10:34
